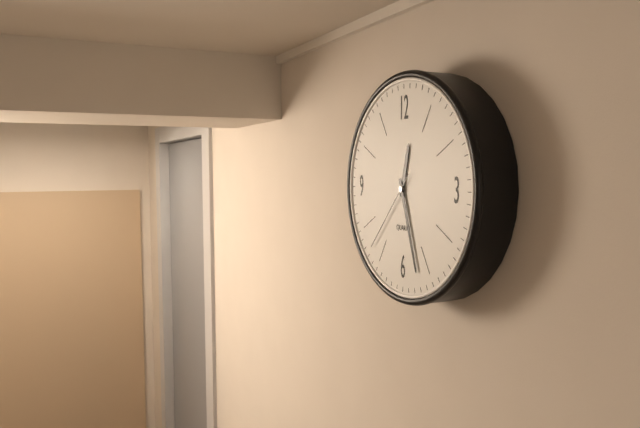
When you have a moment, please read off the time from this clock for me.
12:27:37
